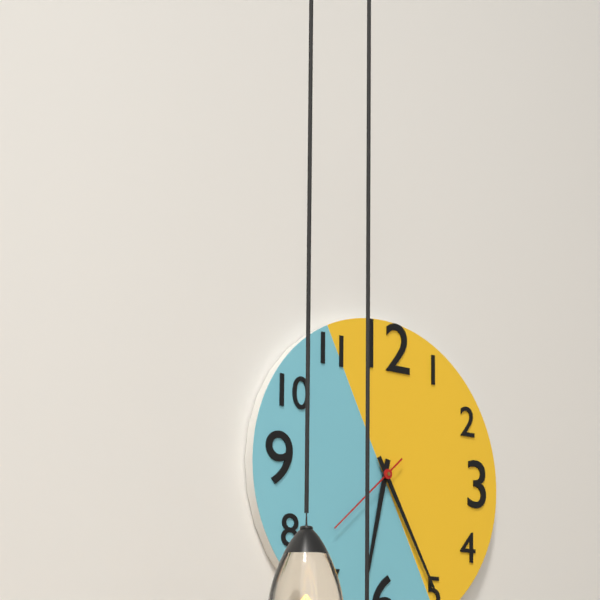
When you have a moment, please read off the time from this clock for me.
6:25:38
